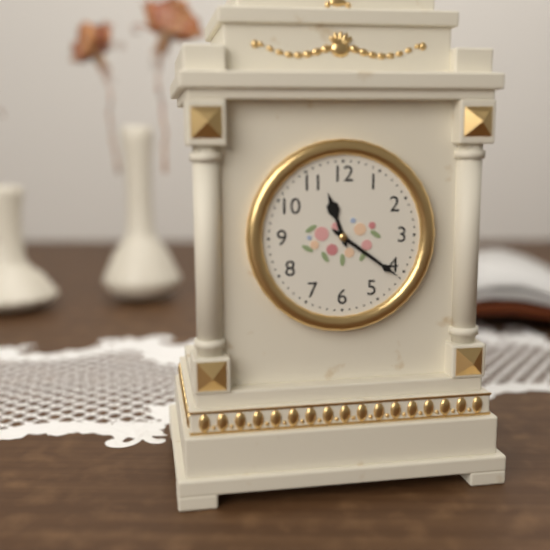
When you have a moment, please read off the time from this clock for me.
11:21
